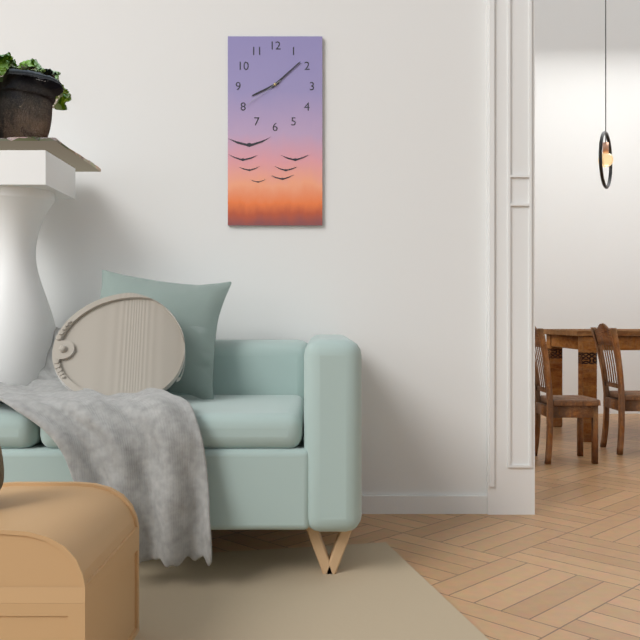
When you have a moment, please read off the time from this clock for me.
8:08
